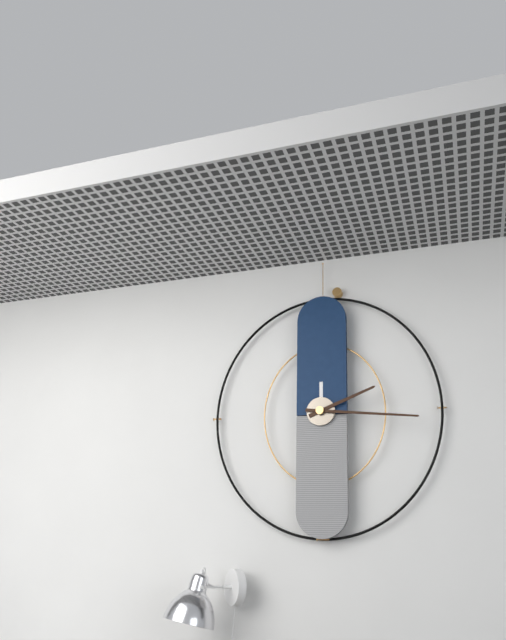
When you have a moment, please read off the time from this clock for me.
2:16
